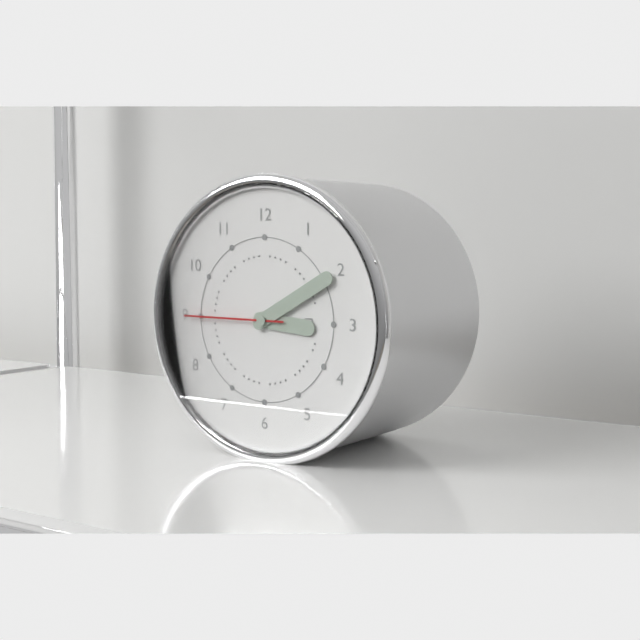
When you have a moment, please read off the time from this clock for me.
3:10:45
